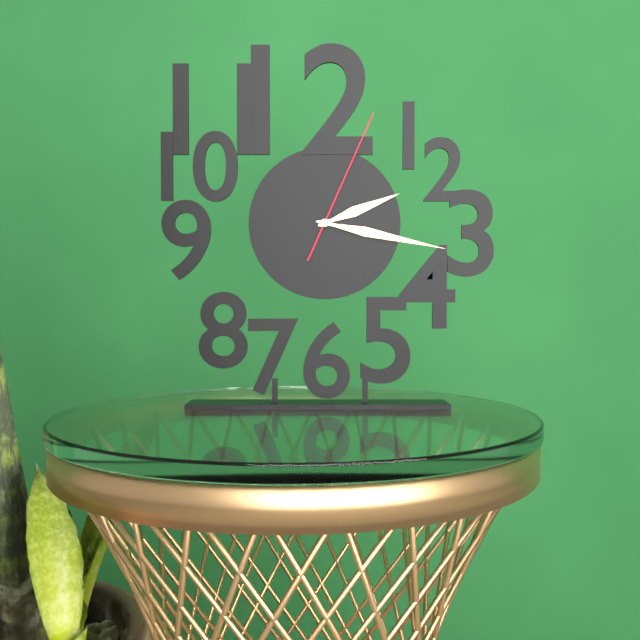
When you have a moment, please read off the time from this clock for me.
2:17:04
